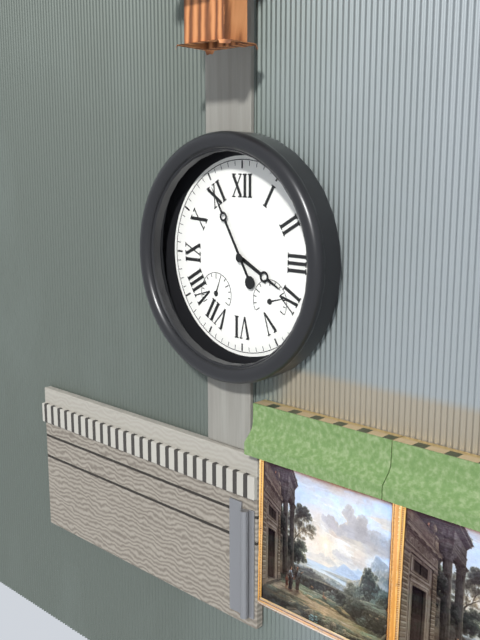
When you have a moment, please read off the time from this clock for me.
3:55
